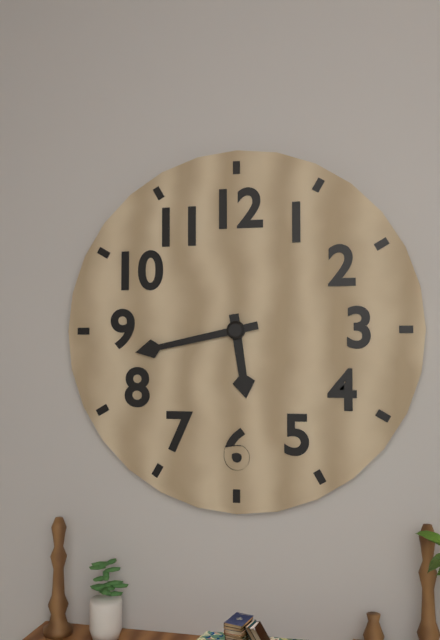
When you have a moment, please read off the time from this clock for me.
5:43
